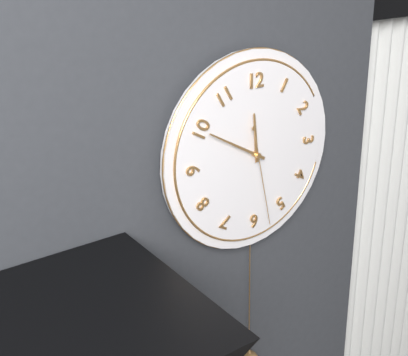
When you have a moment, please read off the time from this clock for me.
11:50:28
